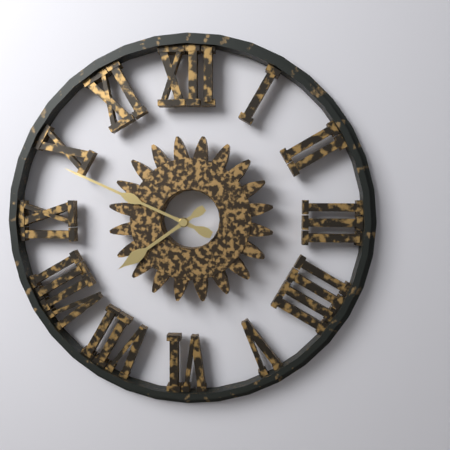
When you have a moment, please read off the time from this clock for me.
7:49
